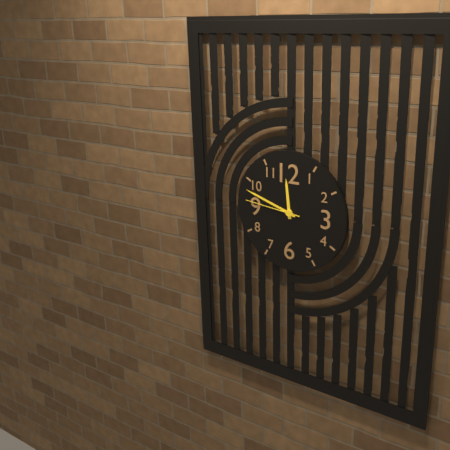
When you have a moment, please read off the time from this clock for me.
11:48:46
